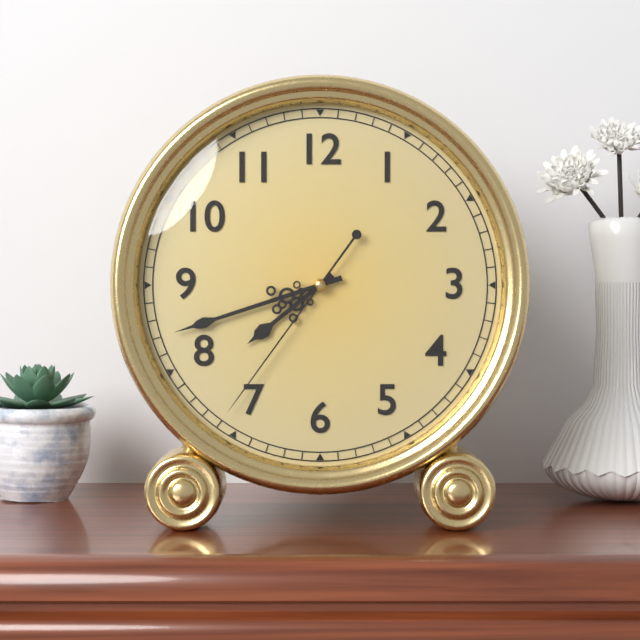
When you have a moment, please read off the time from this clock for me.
7:42:36
